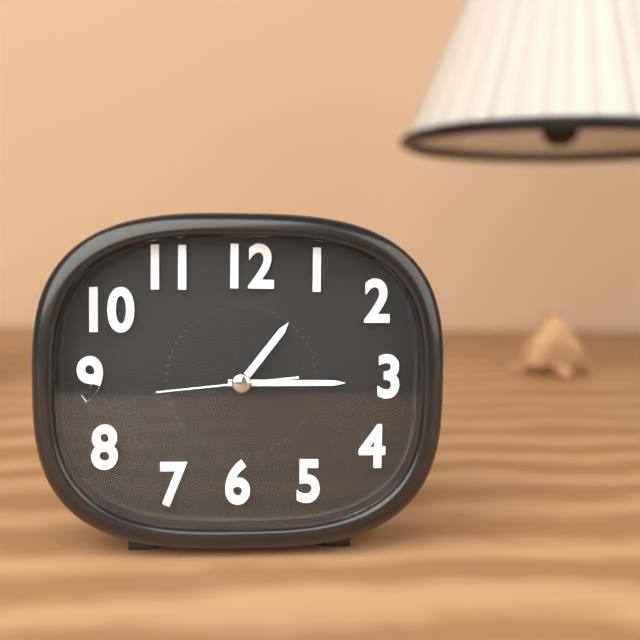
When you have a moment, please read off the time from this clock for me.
1:15:44
